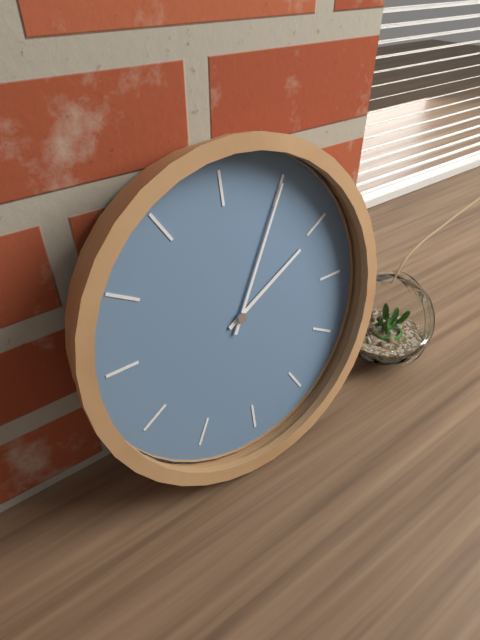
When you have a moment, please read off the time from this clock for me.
2:05
